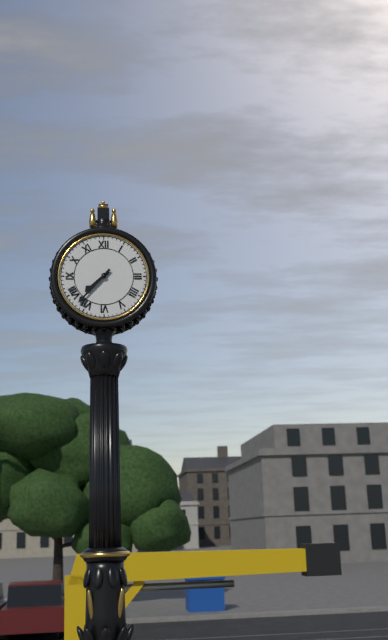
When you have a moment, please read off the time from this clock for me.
7:37
